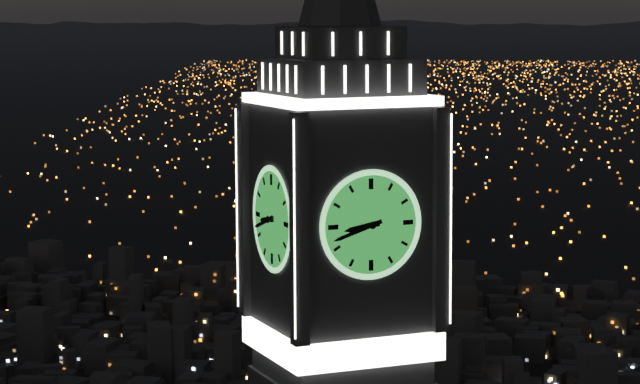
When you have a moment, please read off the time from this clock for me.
8:42
